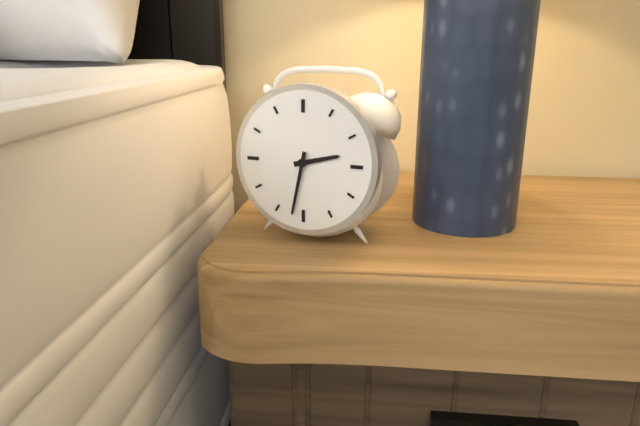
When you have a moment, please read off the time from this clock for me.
2:32
